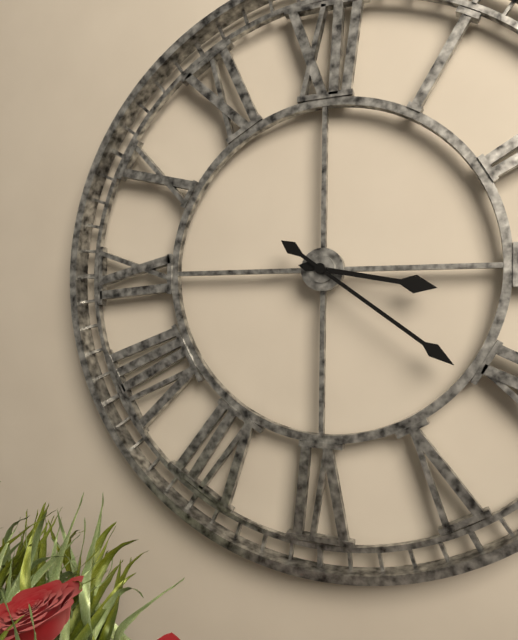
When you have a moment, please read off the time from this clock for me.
3:21
